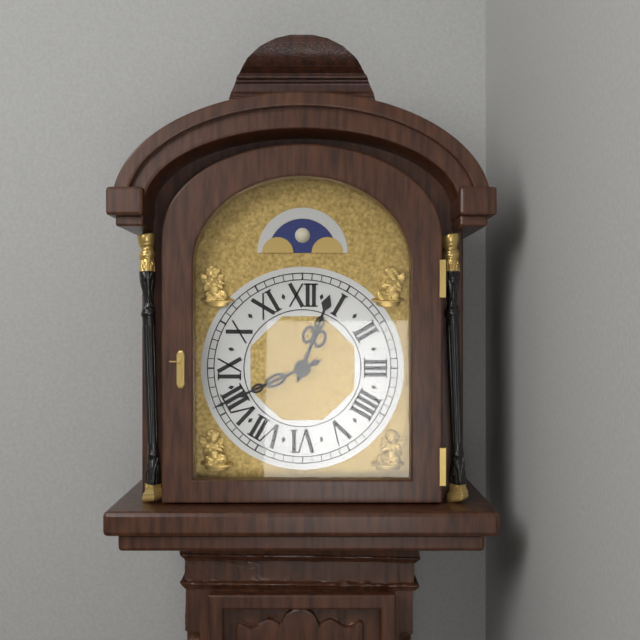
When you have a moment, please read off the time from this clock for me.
12:41
